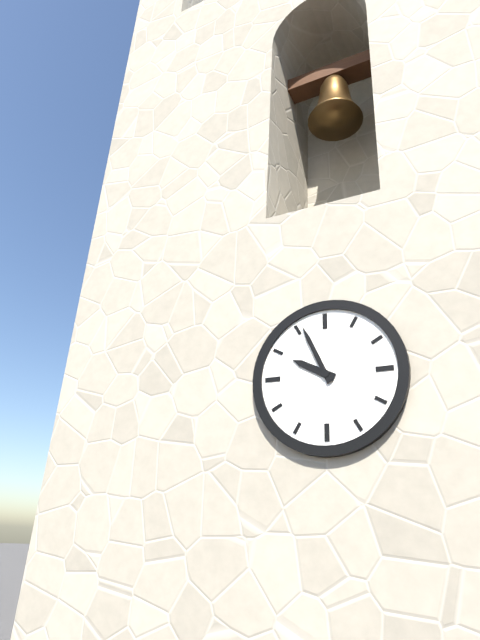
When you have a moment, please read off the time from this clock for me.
9:56
